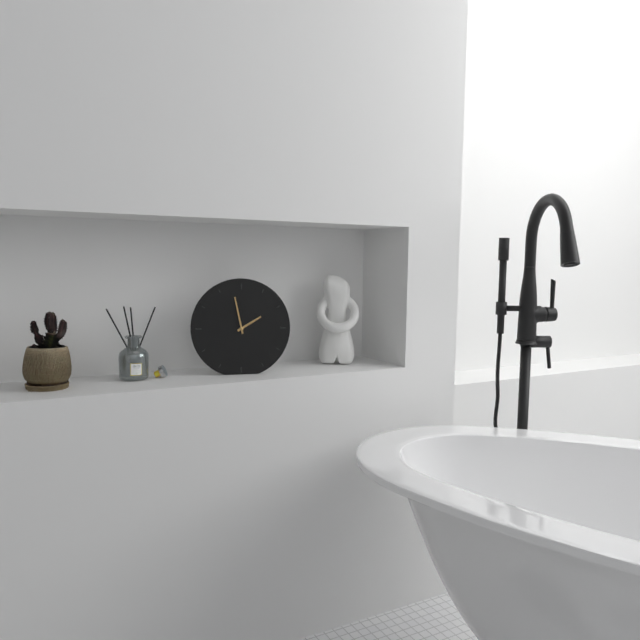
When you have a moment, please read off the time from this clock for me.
1:58
